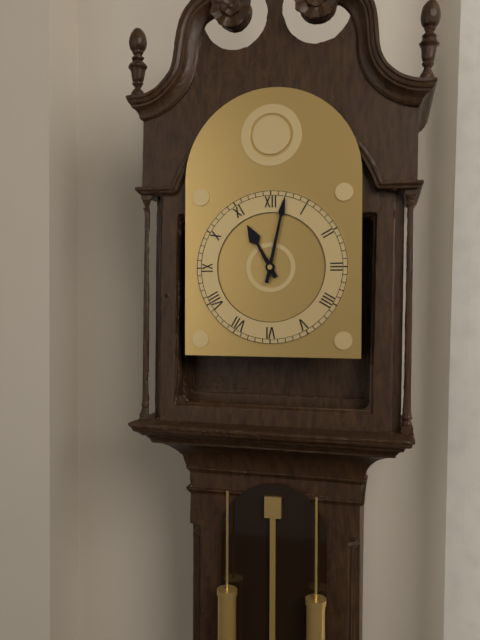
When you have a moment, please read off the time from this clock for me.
11:02
